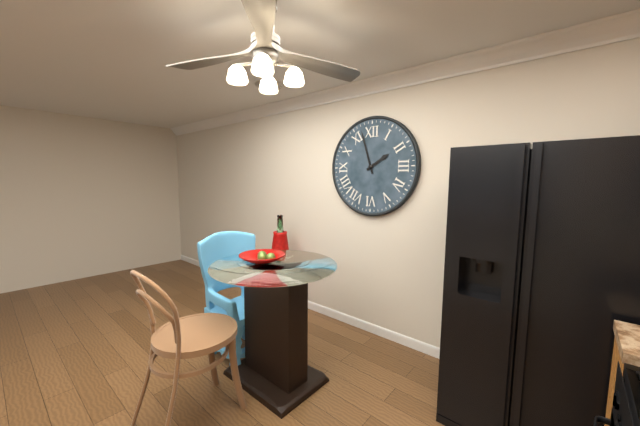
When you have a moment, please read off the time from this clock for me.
1:57
